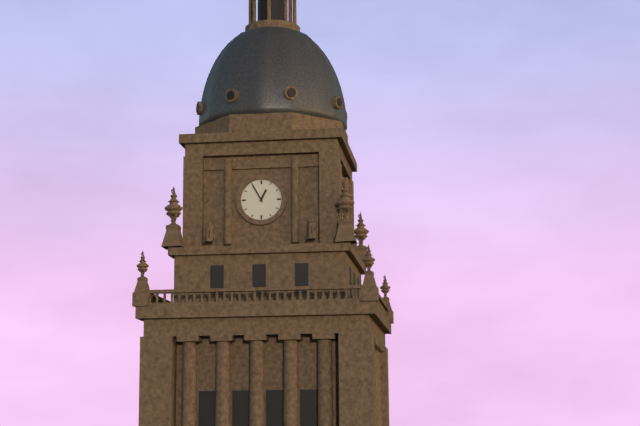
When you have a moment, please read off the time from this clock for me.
12:55
